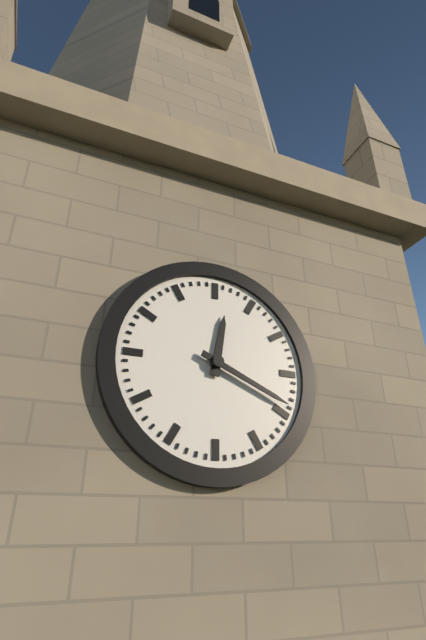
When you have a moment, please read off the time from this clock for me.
12:19
